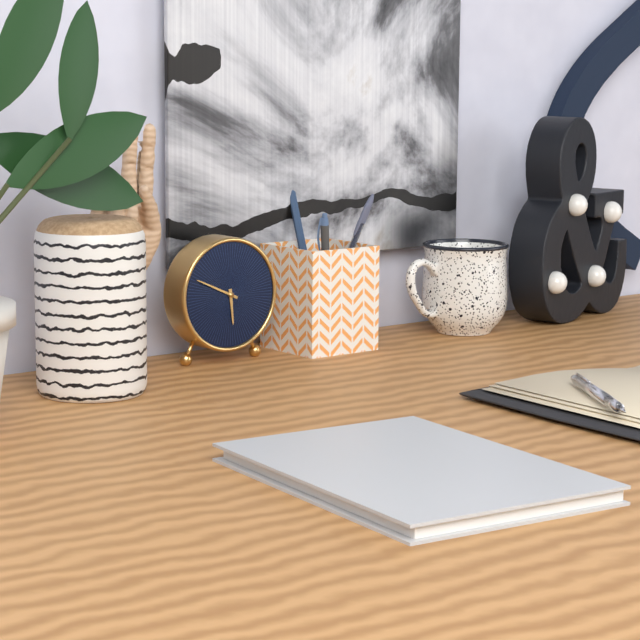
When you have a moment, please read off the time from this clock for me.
5:49
